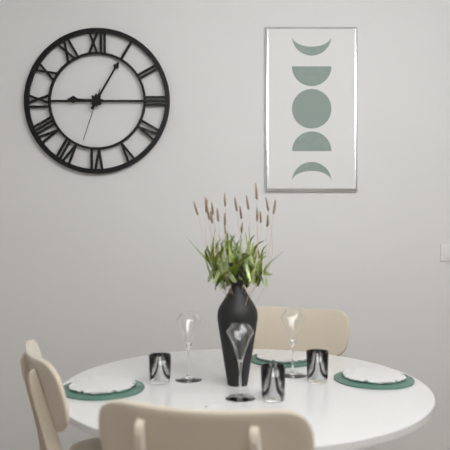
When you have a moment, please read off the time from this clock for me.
9:05:33
